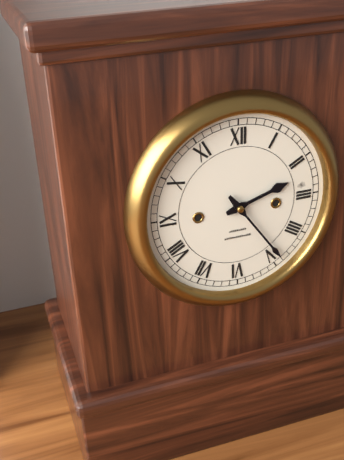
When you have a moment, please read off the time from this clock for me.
2:24
